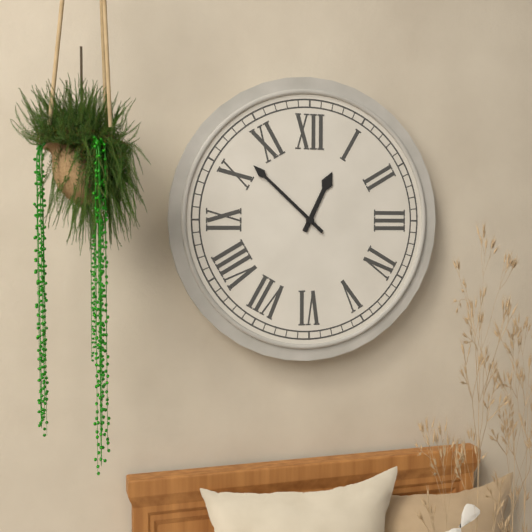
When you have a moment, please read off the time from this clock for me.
12:52
